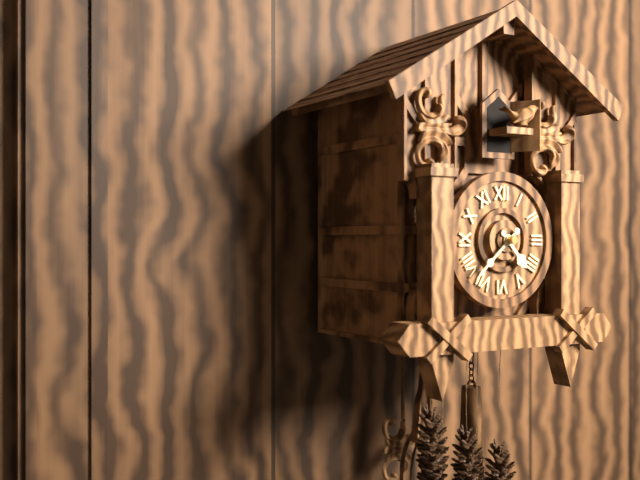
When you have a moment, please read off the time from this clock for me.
4:38
